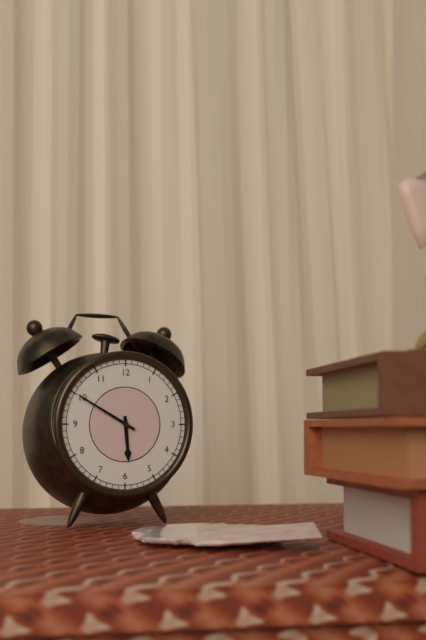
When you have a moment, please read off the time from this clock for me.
5:50
